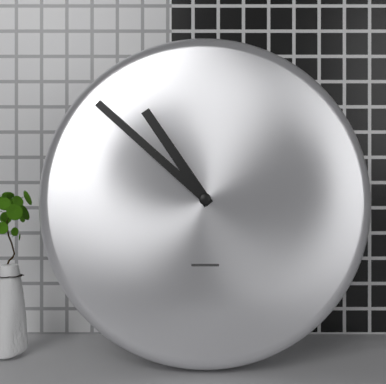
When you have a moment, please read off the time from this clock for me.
10:52
